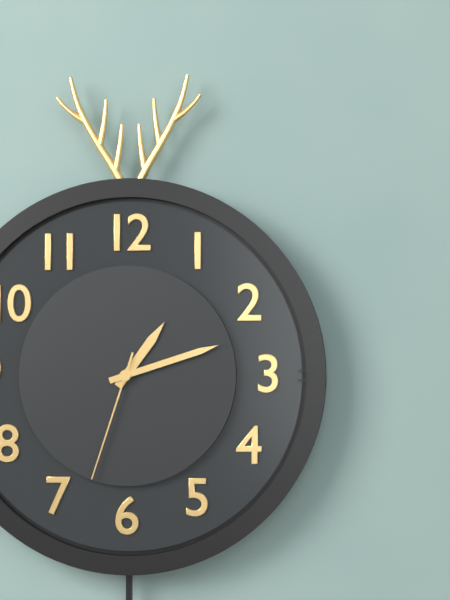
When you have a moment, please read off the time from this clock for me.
1:12:33
